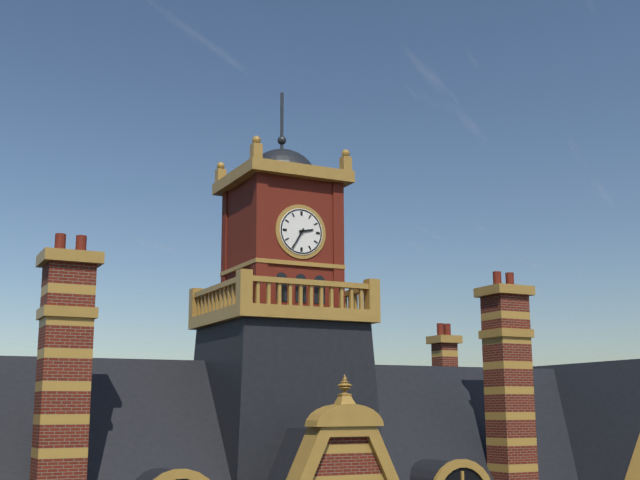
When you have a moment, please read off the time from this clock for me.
2:35
